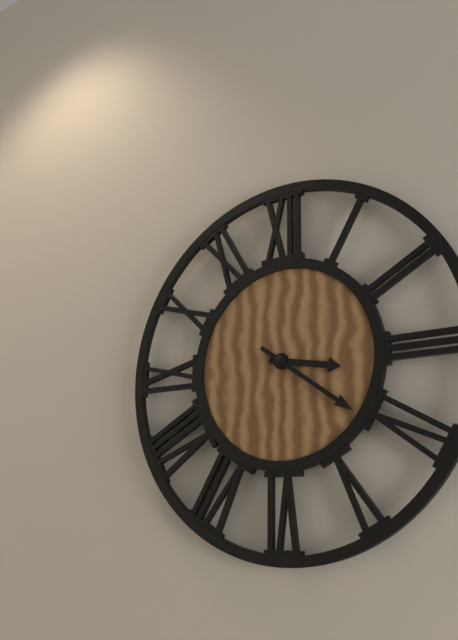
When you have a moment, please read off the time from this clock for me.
3:21
